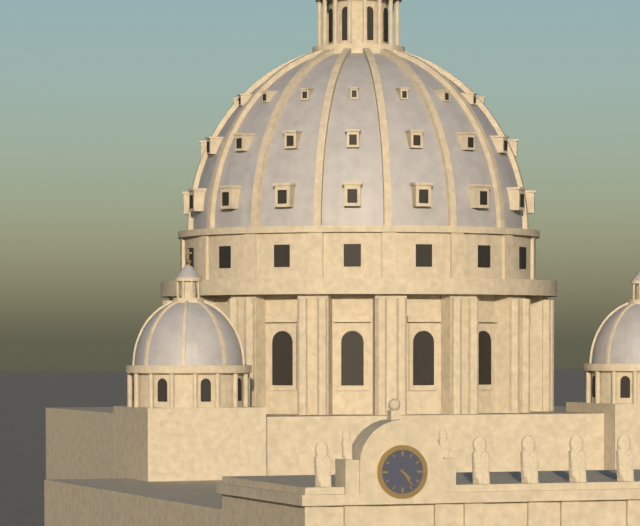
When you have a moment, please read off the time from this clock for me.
4:24
